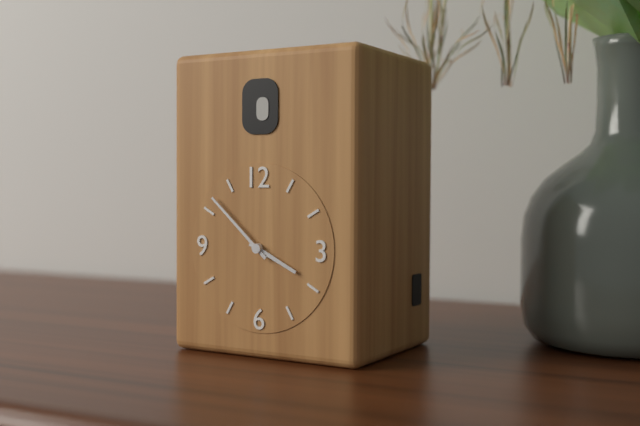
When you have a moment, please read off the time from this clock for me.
3:52
